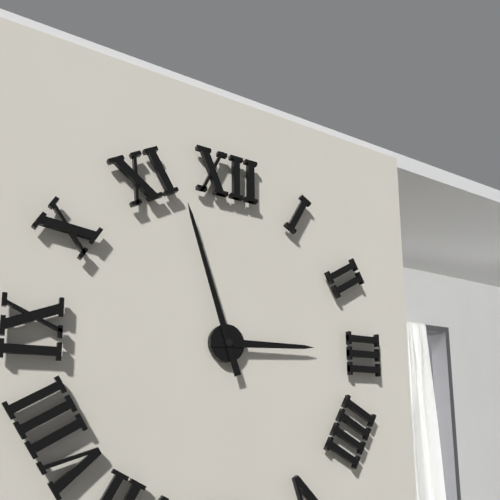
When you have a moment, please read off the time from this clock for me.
2:57
